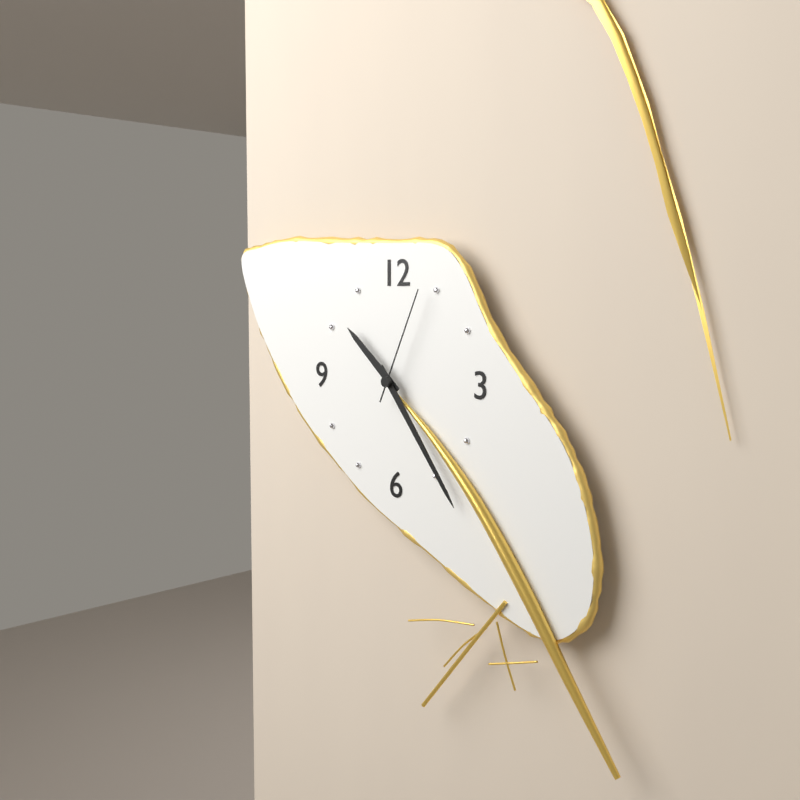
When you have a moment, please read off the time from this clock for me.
10:24:04
